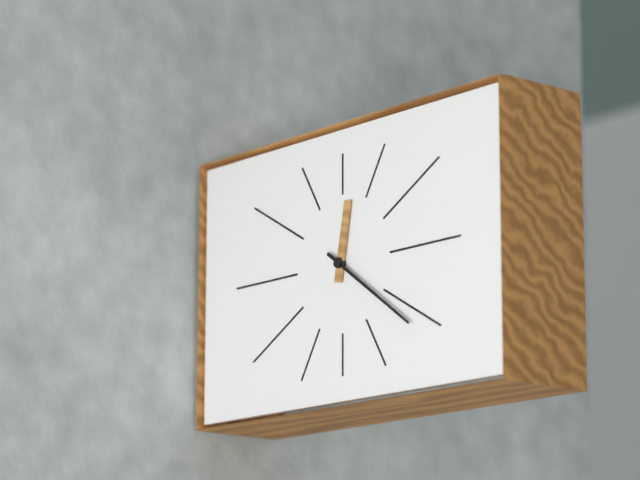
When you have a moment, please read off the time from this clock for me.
12:21
